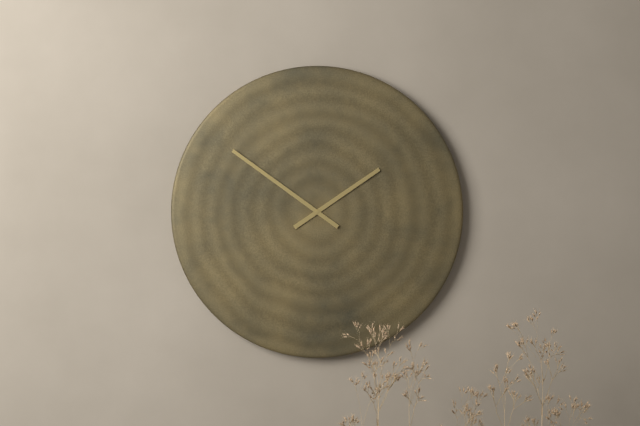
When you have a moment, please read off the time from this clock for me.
1:51
